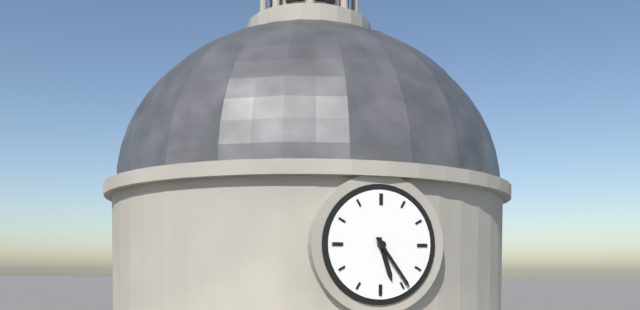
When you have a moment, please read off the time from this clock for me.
5:24
